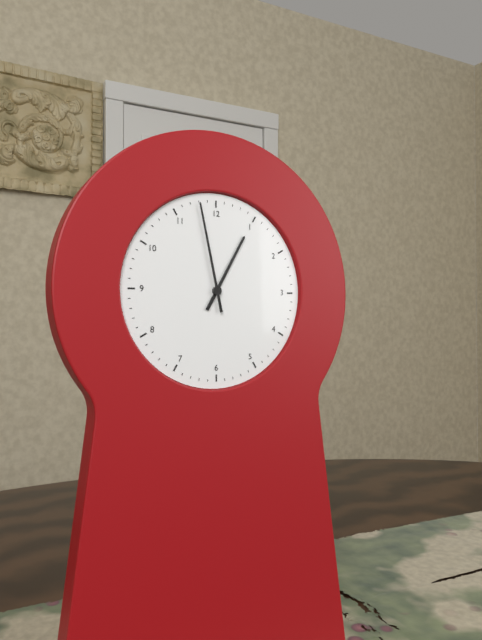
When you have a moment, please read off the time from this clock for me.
12:58
